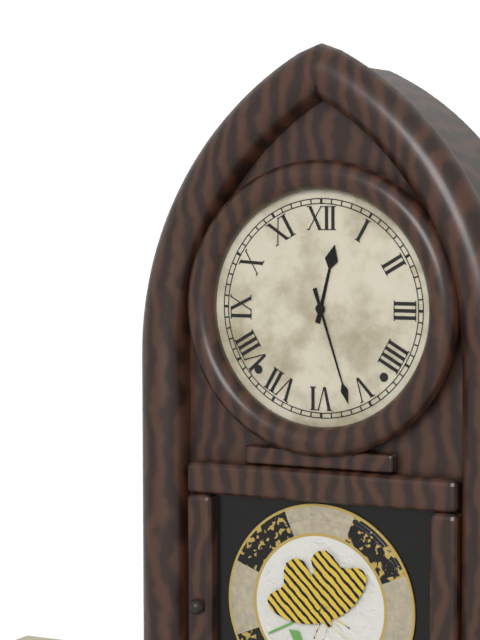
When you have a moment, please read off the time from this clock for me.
12:27
